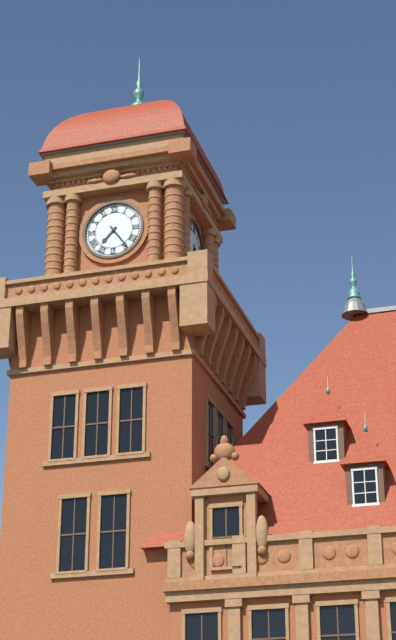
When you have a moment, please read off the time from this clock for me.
7:24
